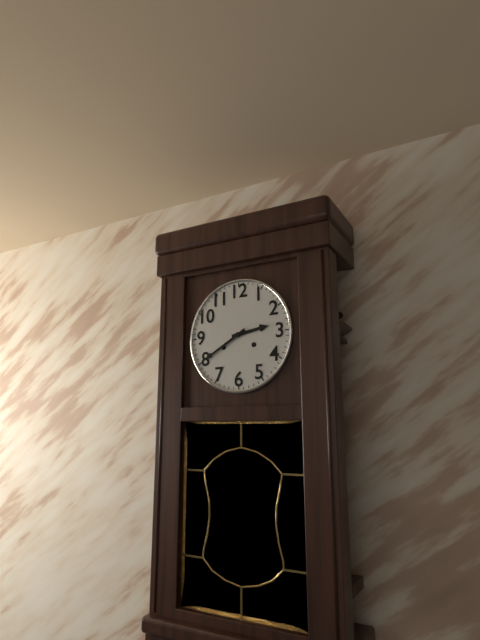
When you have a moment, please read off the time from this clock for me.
2:40
